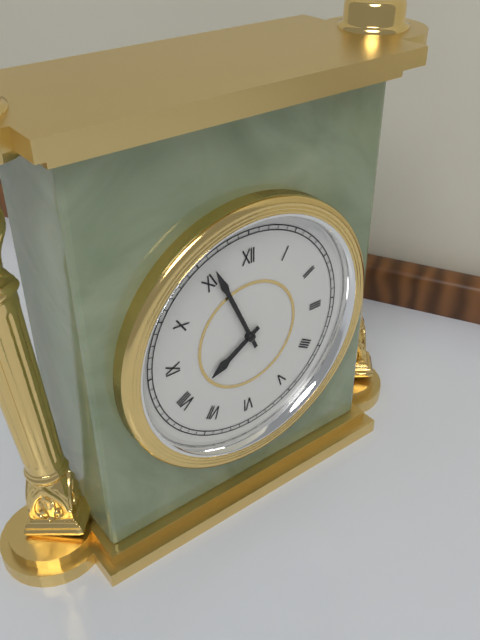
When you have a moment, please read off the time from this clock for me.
7:56
